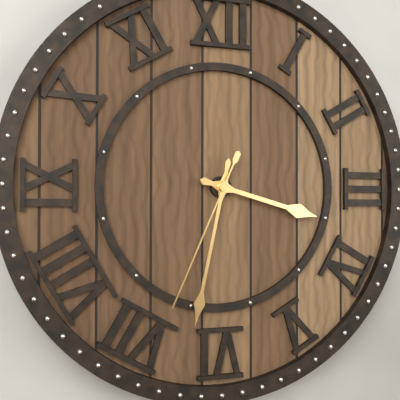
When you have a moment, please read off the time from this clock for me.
3:32:34
